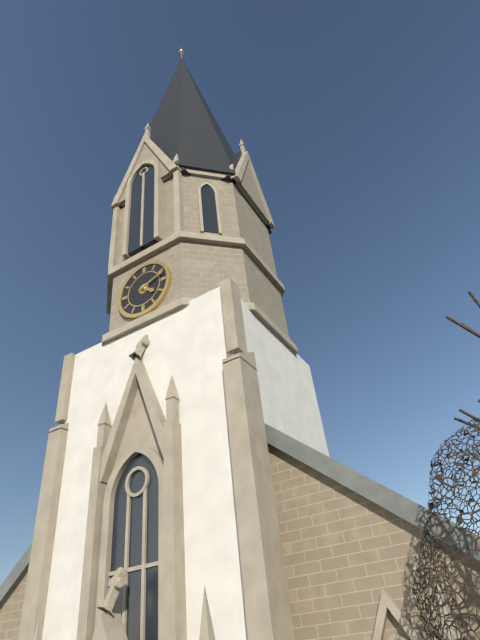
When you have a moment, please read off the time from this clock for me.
4:12
